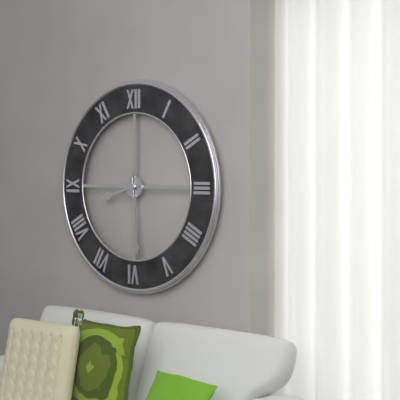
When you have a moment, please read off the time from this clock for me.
8:29
